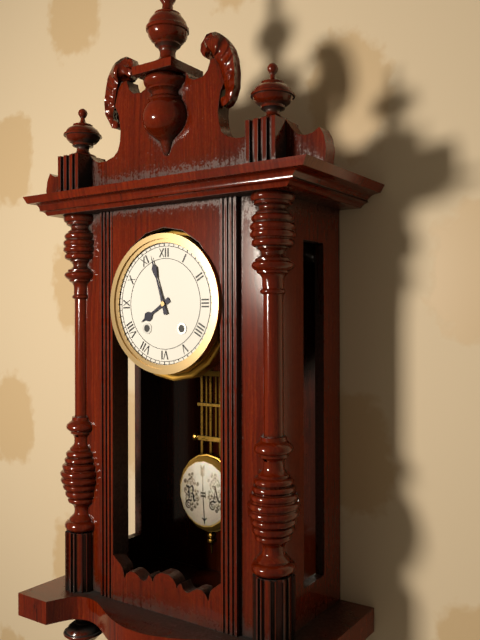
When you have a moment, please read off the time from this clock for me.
7:57
